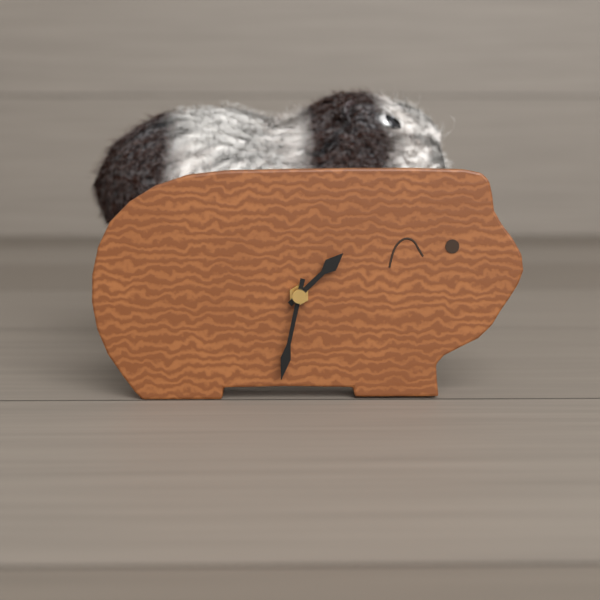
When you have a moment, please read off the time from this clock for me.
1:32
